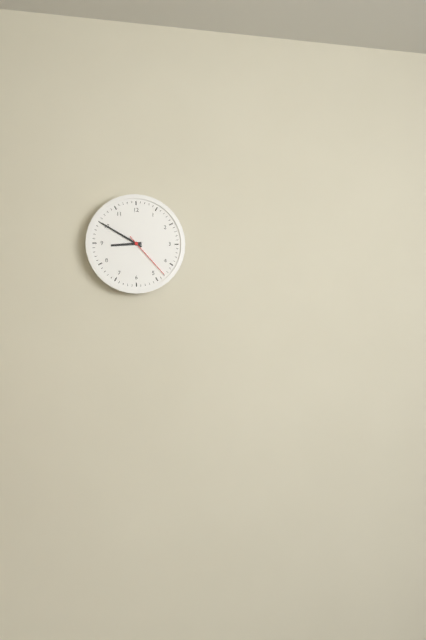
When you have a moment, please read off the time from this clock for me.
8:50:23
